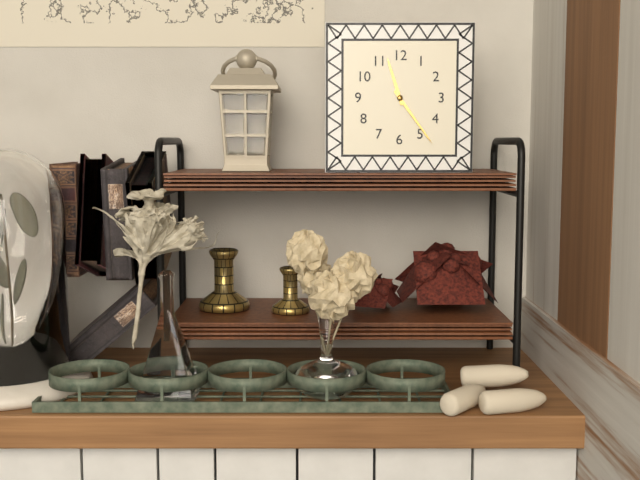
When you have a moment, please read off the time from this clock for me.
11:24
